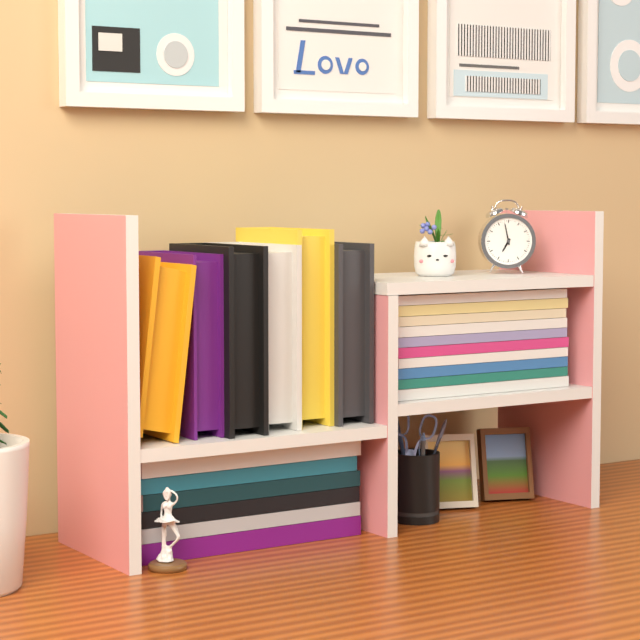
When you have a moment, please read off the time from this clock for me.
6:58
